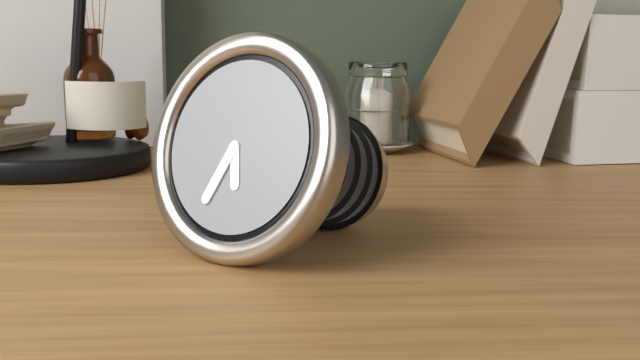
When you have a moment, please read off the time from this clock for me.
5:34
